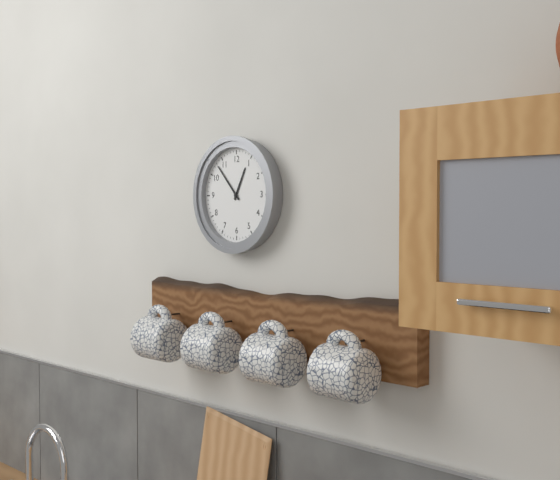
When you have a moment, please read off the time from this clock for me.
12:53
